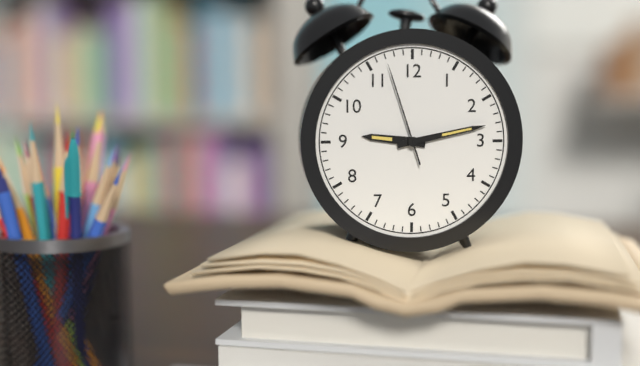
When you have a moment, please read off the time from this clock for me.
9:13:57
